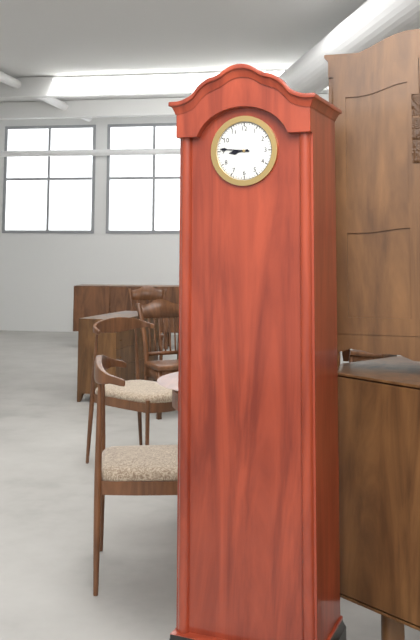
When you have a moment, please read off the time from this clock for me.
8:46
